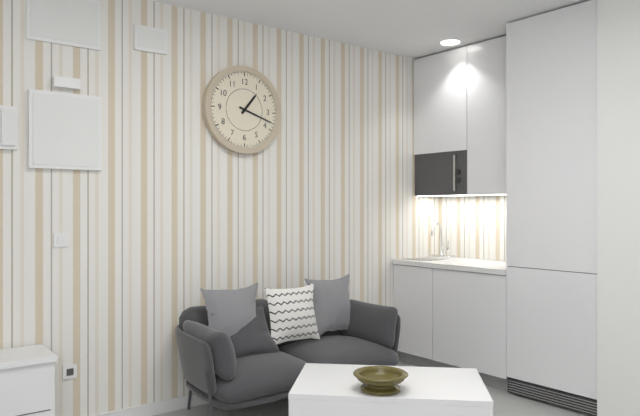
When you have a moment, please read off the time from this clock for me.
1:18
